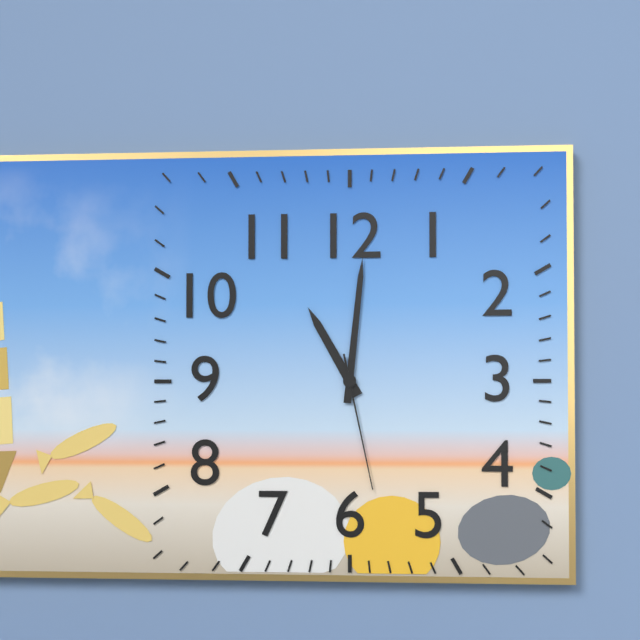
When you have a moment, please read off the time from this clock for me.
11:01:28
